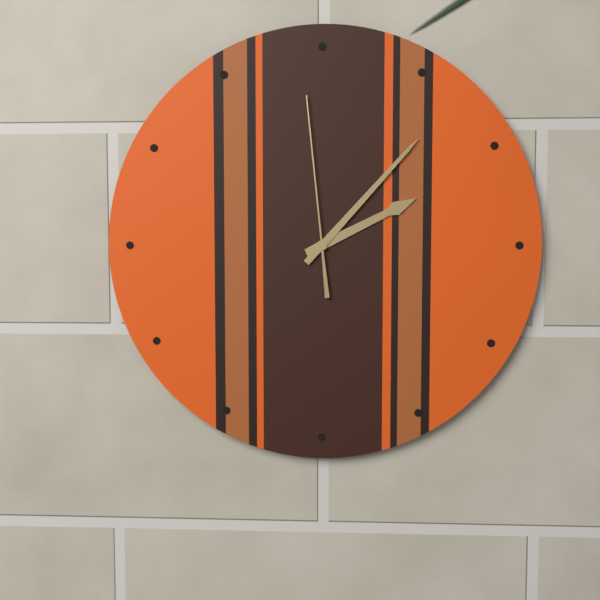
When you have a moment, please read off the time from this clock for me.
2:07:59
